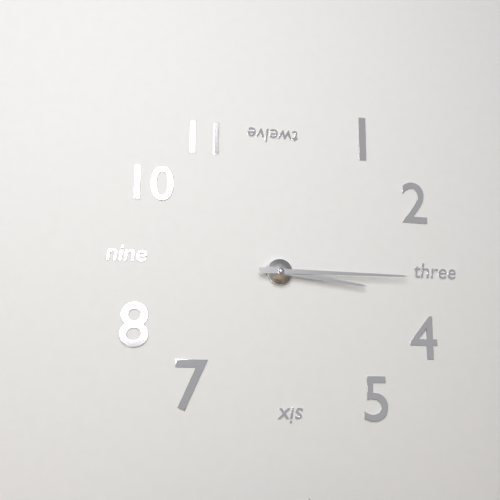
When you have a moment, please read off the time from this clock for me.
3:15
